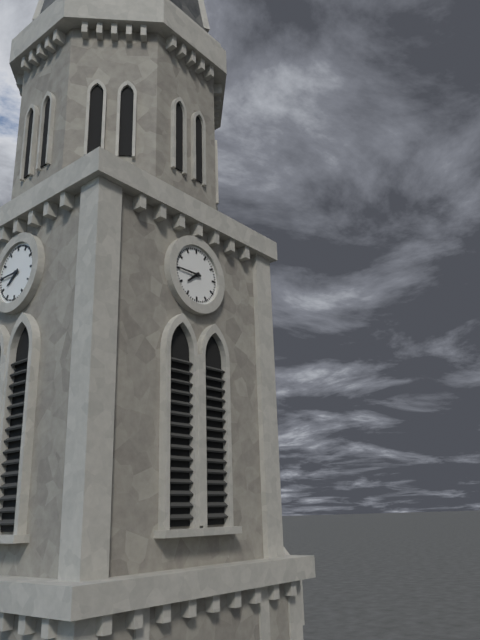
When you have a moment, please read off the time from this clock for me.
7:45
